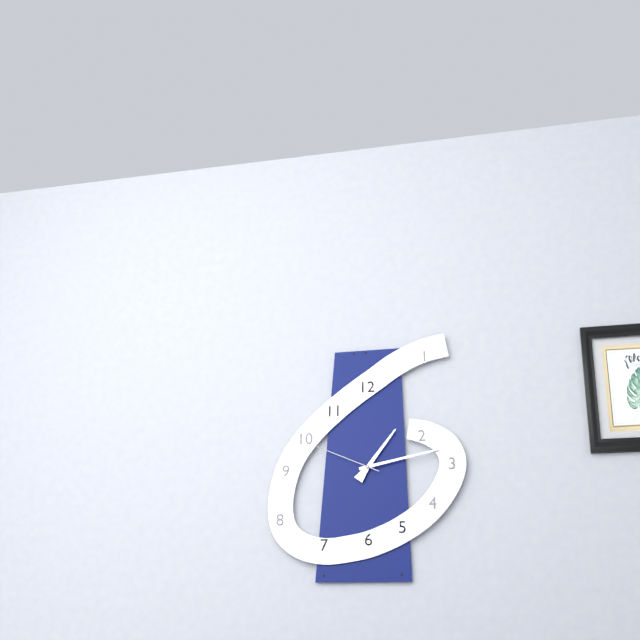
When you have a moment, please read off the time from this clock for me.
1:13:49
